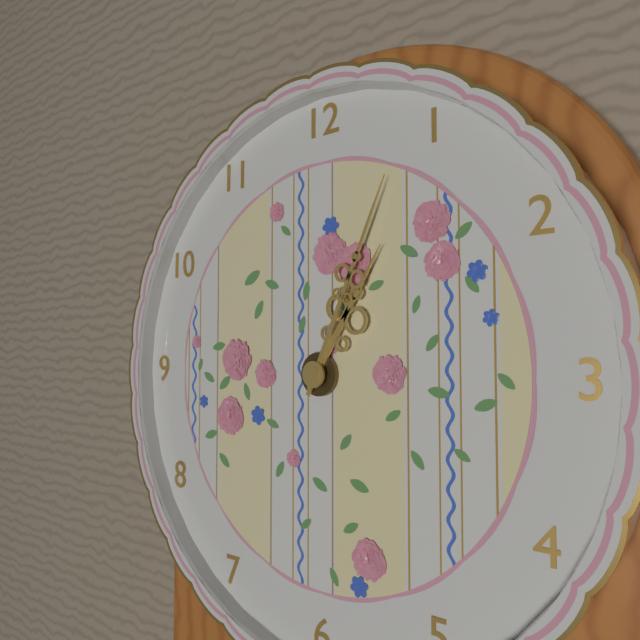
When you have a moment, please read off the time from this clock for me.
1:04
